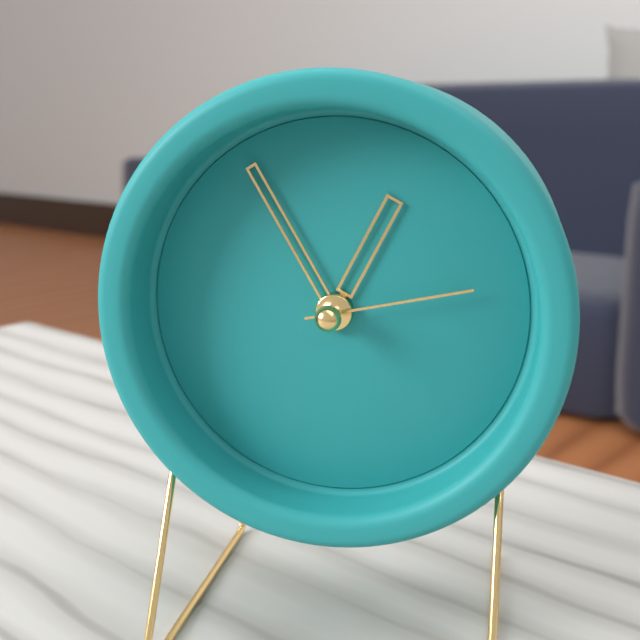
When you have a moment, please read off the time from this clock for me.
12:55:13
